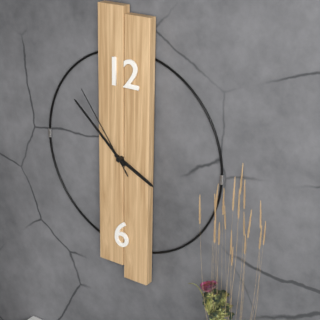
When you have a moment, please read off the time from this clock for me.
3:52:54
